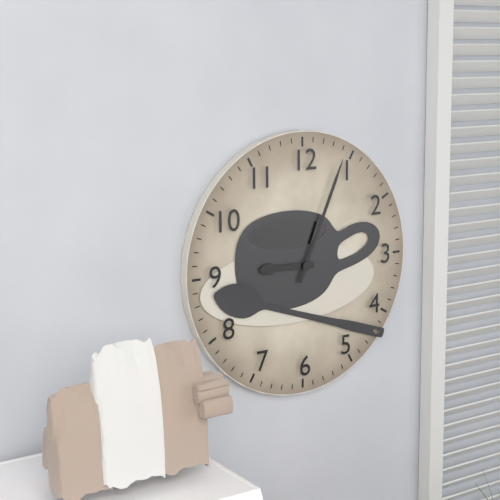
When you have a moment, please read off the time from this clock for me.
9:04
